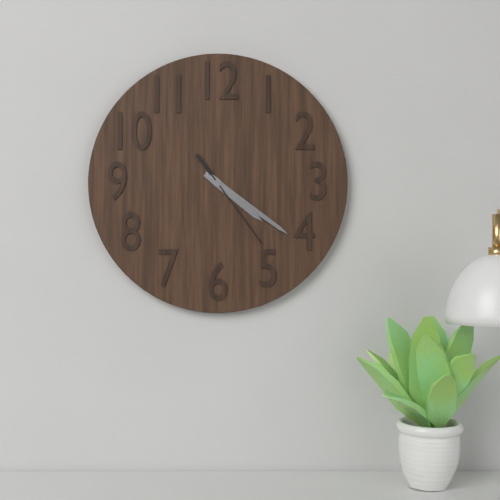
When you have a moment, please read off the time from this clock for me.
4:21:24
